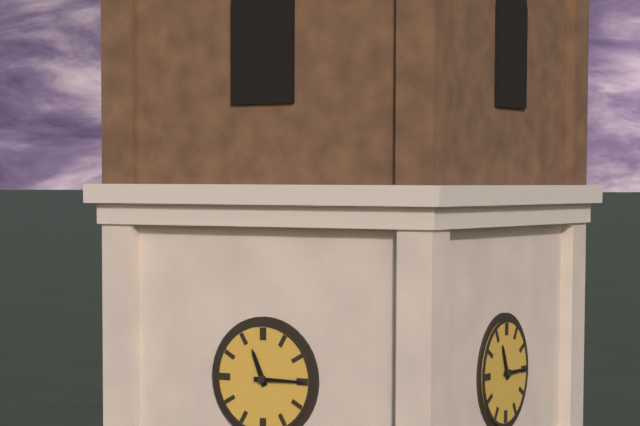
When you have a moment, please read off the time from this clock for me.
11:15
